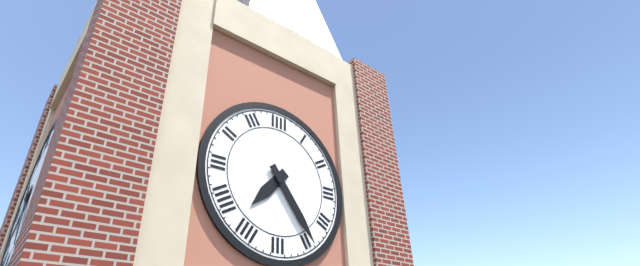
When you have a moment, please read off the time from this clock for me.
7:24
